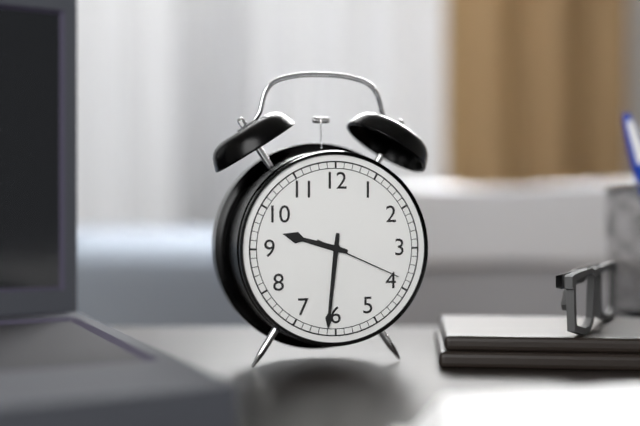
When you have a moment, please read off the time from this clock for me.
9:31:19
